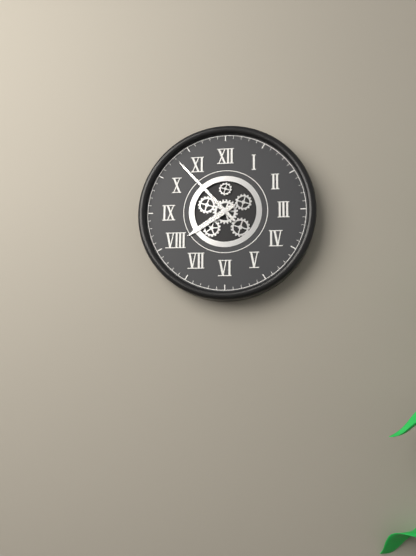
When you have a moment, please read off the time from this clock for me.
7:53
